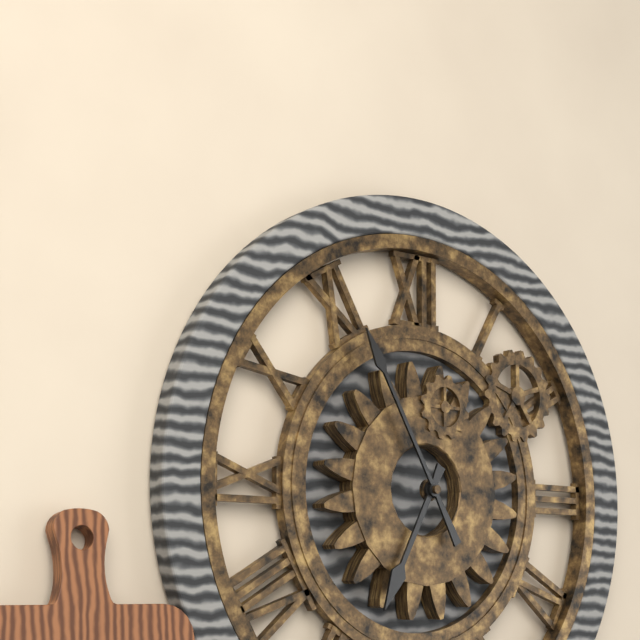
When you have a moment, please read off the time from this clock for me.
6:55
